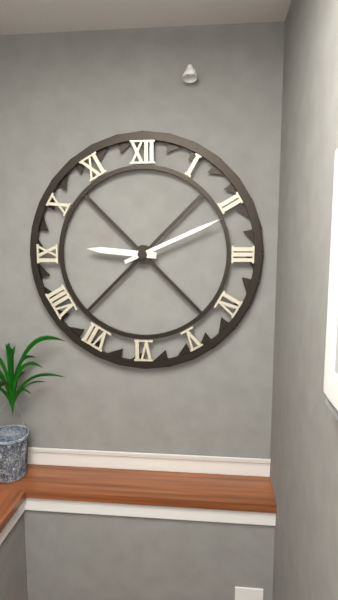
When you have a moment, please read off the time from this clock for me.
9:11
